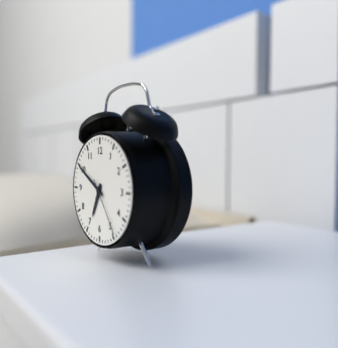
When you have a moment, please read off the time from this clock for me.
6:50:24
